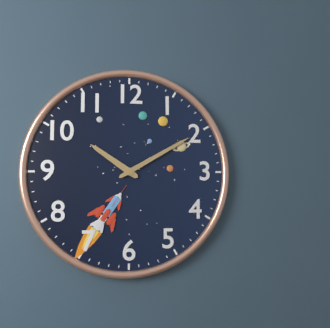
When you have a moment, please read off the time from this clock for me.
10:10
